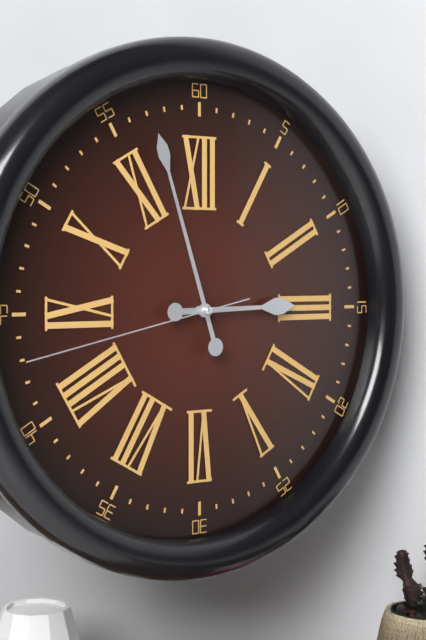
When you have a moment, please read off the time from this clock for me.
2:57:43
